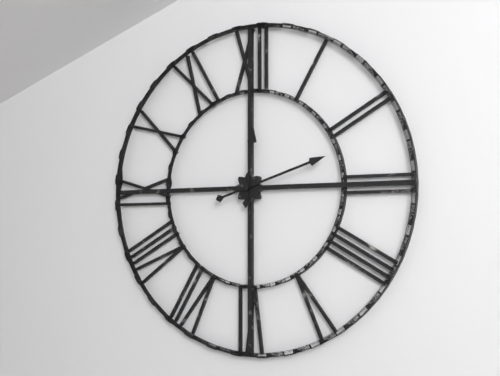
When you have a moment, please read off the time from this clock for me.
12:12
